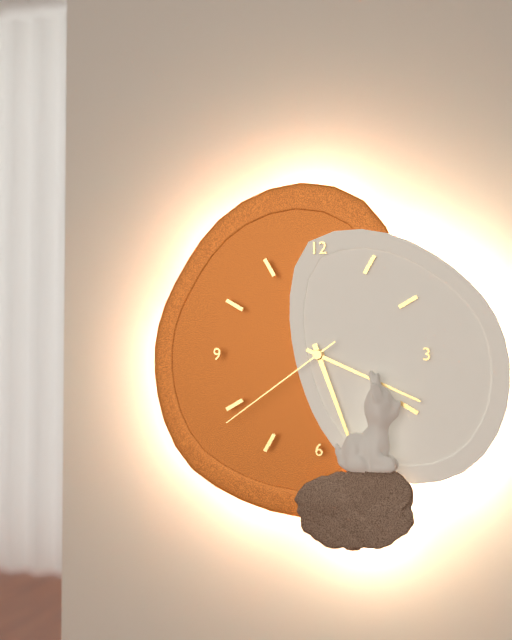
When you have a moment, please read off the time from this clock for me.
5:19:39
